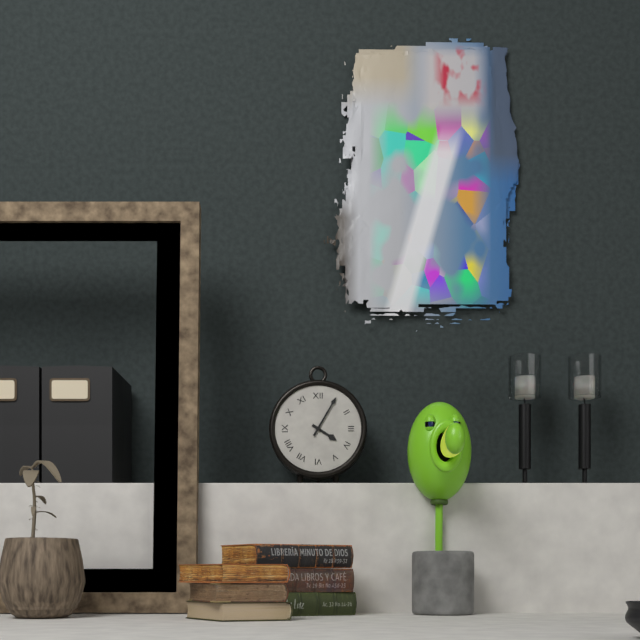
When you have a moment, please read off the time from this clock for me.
4:05
